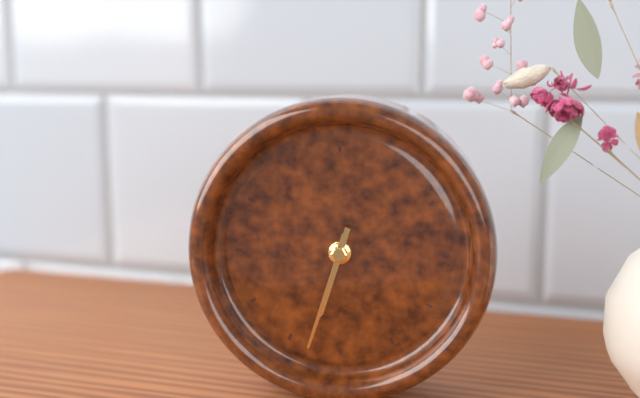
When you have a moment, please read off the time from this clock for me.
6:33
